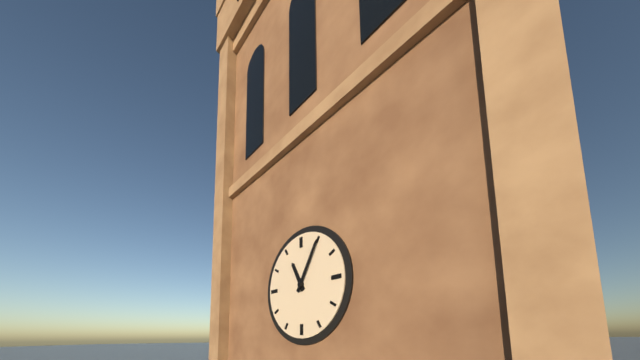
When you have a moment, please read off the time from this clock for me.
11:05
